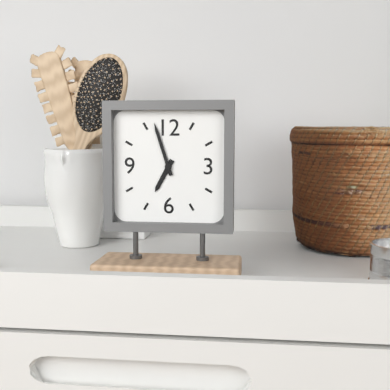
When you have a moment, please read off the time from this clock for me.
6:57
